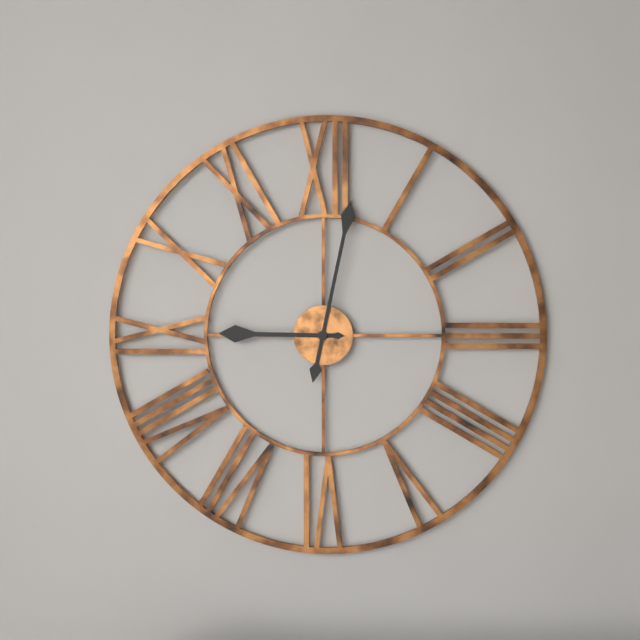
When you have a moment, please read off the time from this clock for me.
9:02
